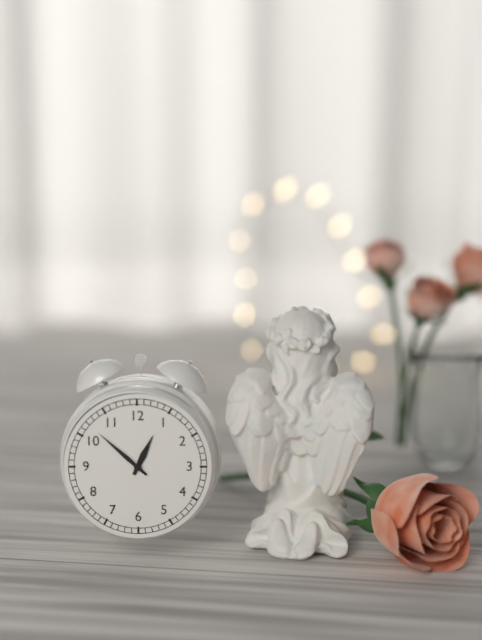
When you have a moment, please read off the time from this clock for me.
12:52
